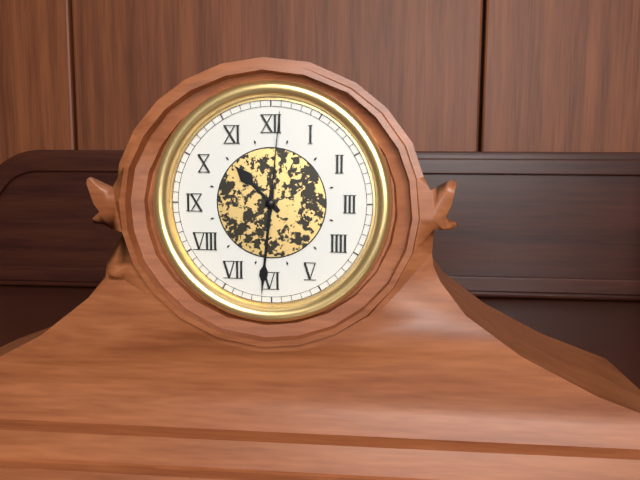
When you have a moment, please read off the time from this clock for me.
10:31:01
